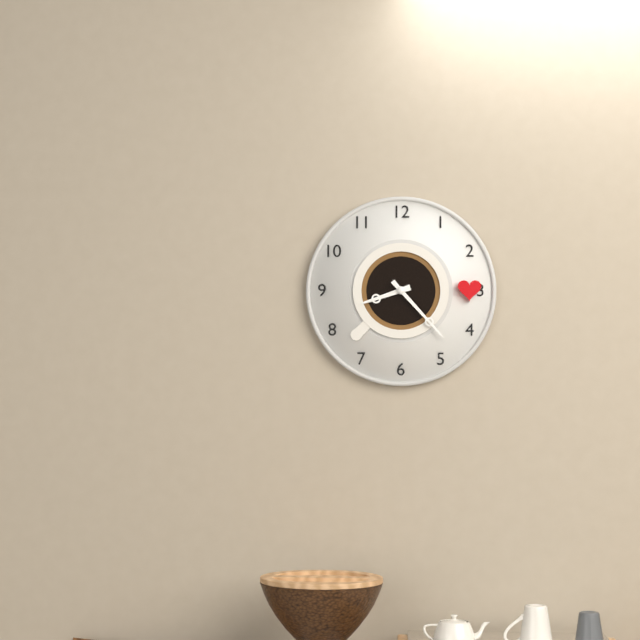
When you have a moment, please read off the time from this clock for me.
8:23
